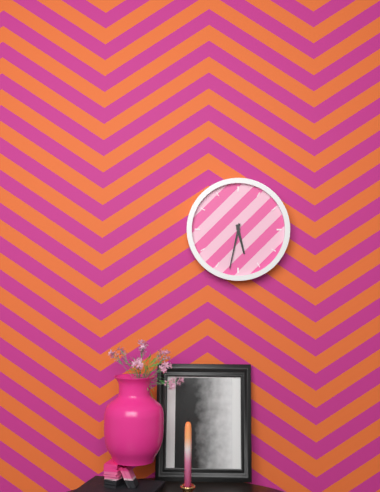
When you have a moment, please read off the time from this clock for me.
5:32
